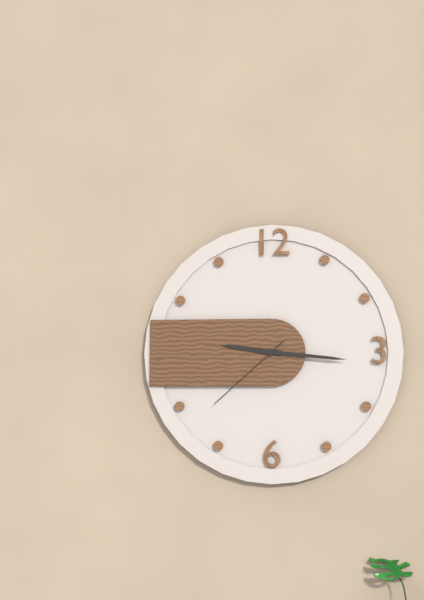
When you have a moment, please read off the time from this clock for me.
9:16:38
